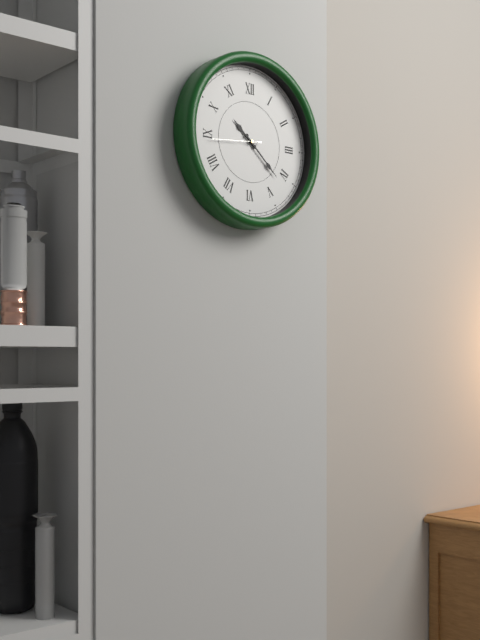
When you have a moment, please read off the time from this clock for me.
10:22:44
